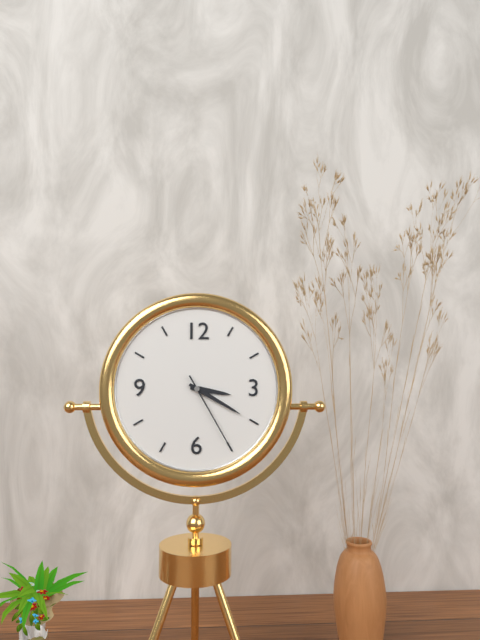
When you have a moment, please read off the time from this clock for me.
3:20:25
